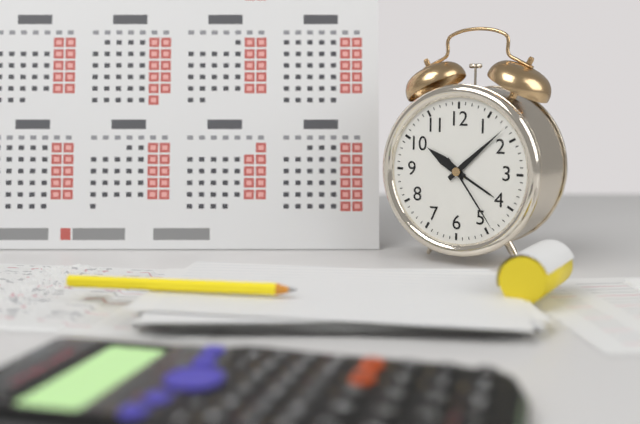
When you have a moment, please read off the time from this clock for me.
10:08:24
